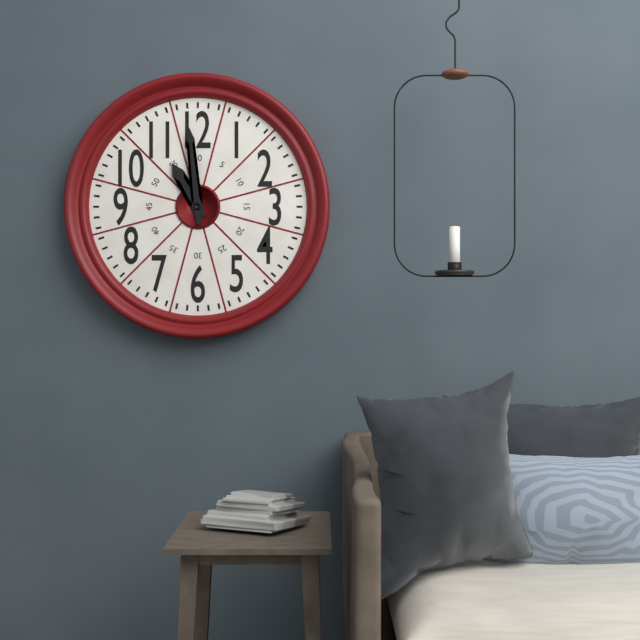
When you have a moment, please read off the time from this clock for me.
10:59
